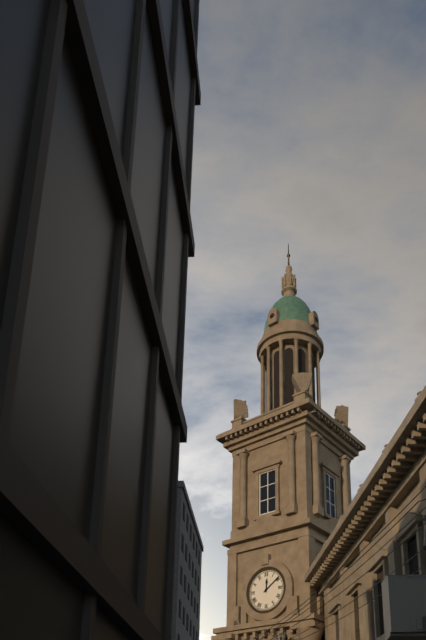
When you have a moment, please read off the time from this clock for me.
12:09
